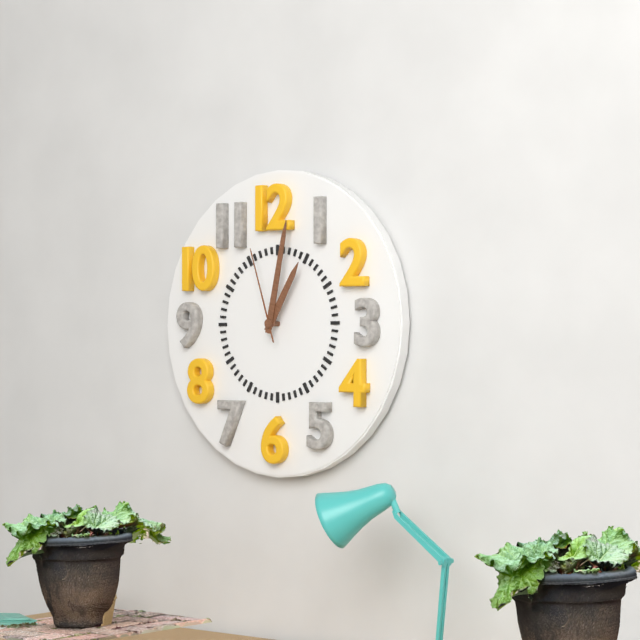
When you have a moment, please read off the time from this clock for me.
1:02:57
